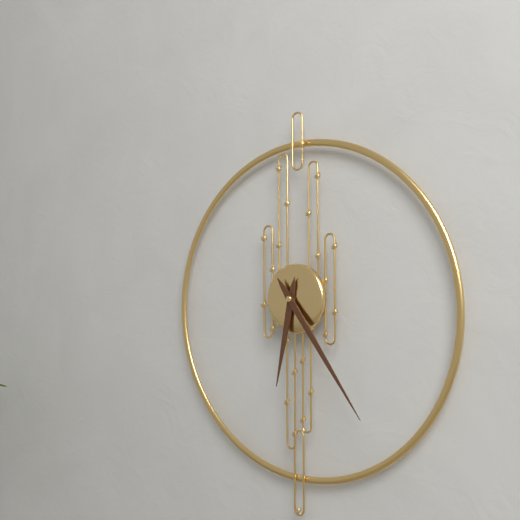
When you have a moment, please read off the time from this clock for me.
6:24
